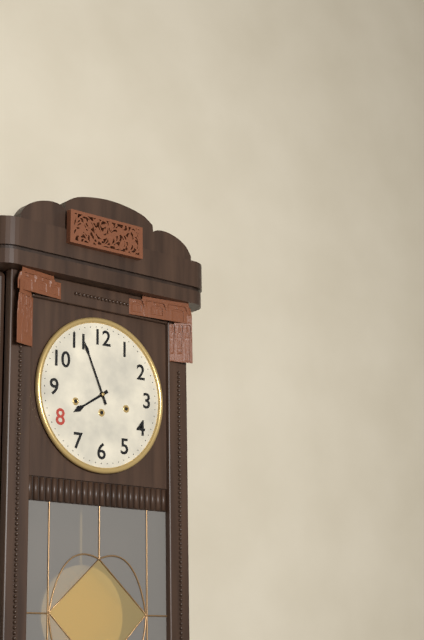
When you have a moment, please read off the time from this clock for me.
7:56
